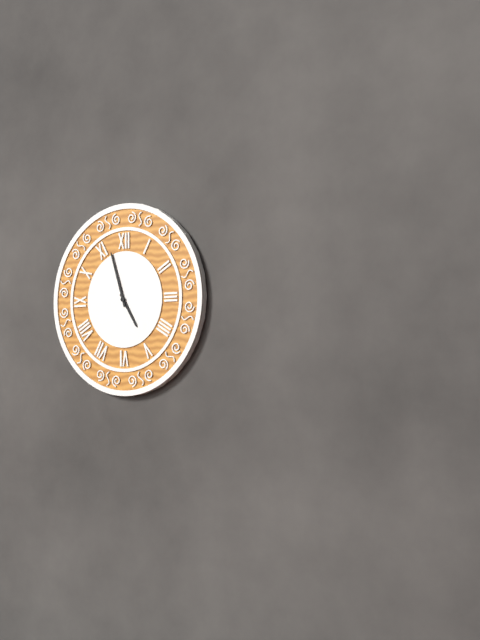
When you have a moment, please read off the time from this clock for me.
4:57
